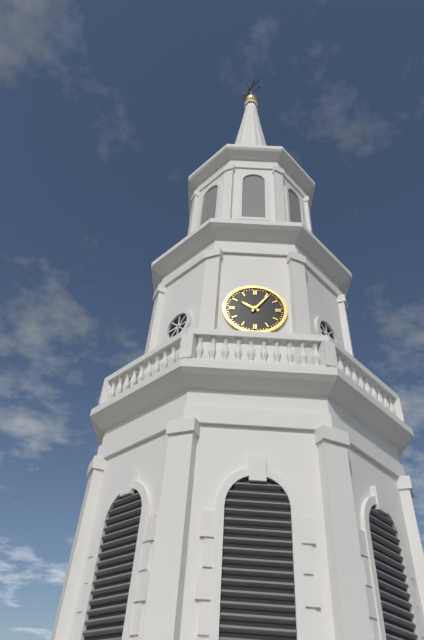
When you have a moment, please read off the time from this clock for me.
10:06
